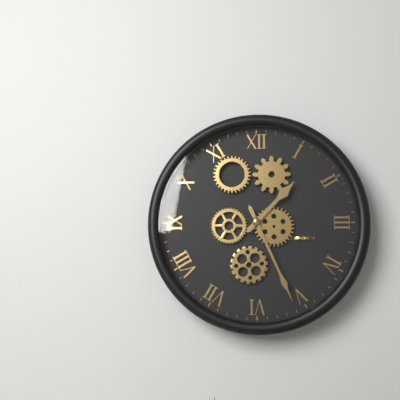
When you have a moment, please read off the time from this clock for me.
1:26
